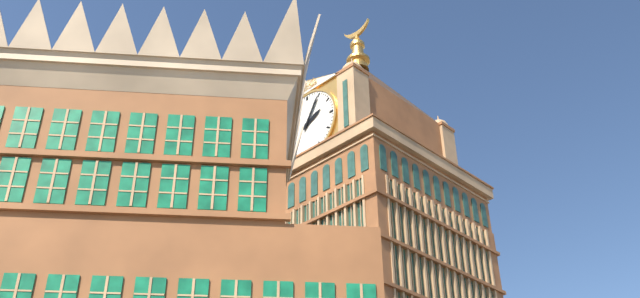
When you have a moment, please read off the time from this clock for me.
2:05
